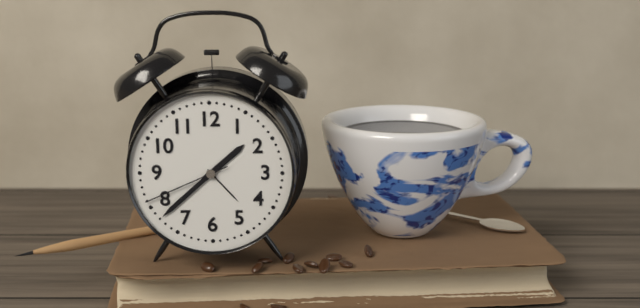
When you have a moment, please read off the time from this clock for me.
1:38:41
